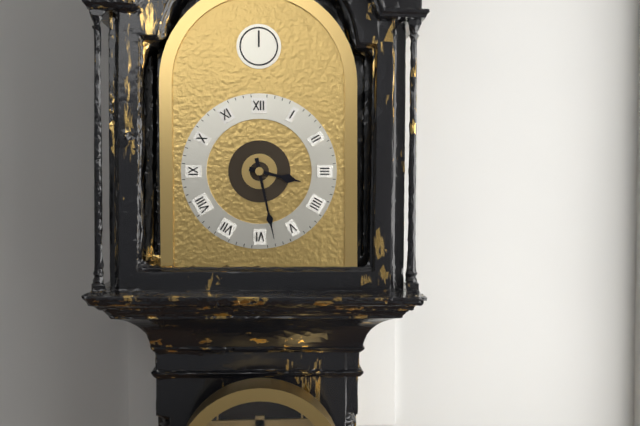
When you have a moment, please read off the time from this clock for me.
3:28
